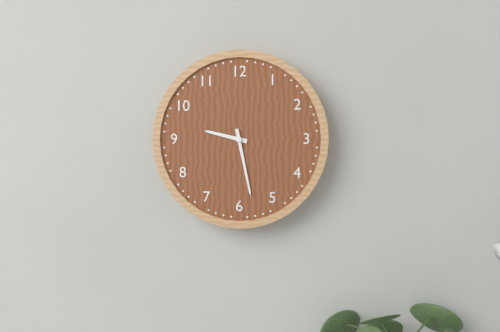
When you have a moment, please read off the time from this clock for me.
9:28
